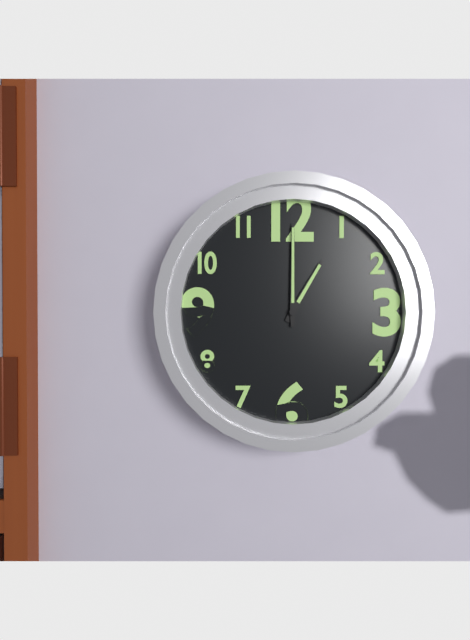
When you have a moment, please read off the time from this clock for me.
1:00
